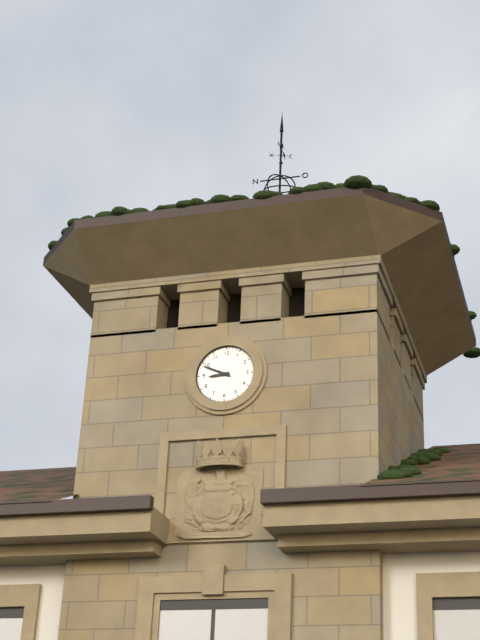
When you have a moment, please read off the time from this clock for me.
8:49
